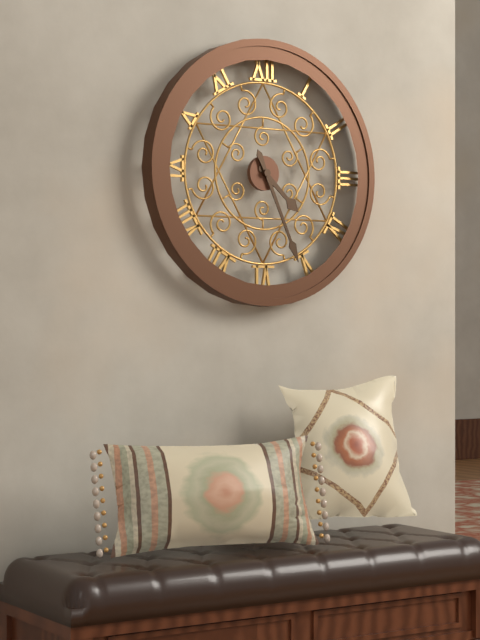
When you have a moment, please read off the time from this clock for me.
4:26
